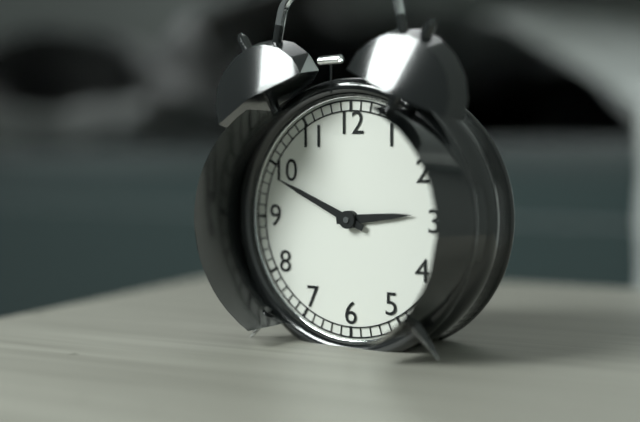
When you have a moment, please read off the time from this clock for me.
2:49
